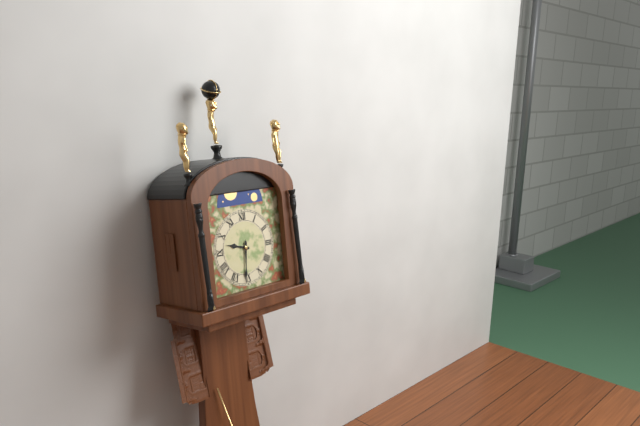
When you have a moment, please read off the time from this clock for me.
9:31
